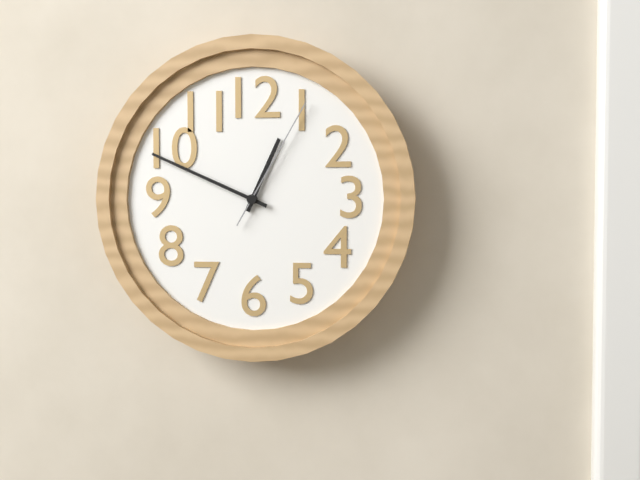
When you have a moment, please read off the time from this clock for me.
12:49:05
